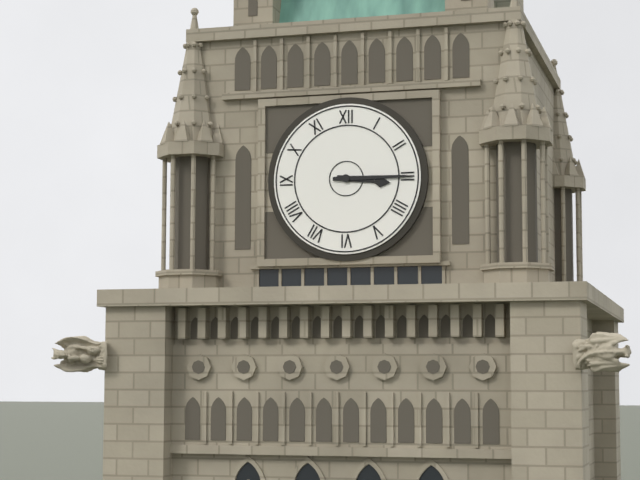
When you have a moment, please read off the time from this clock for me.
3:15
